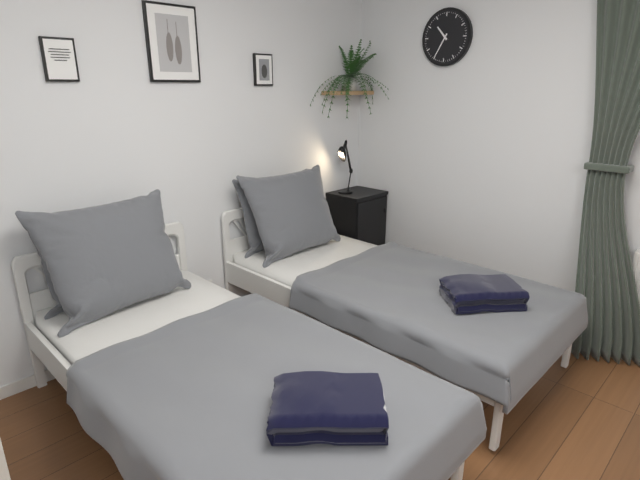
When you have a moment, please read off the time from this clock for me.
10:35
